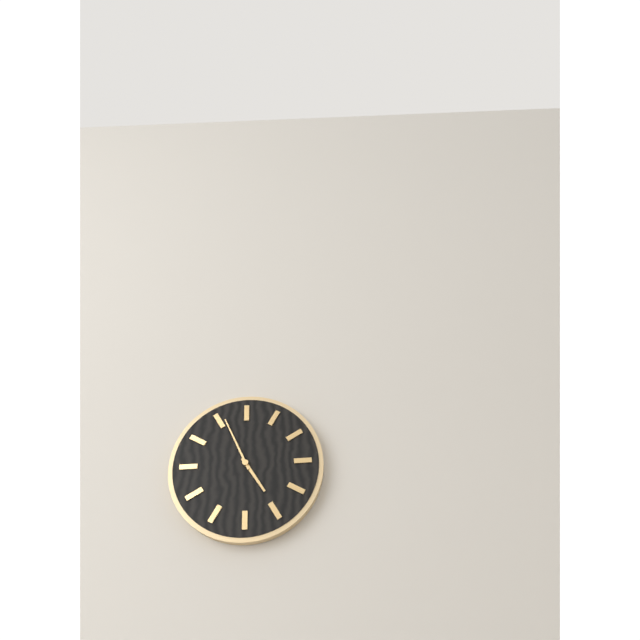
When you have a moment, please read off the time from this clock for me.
4:56
